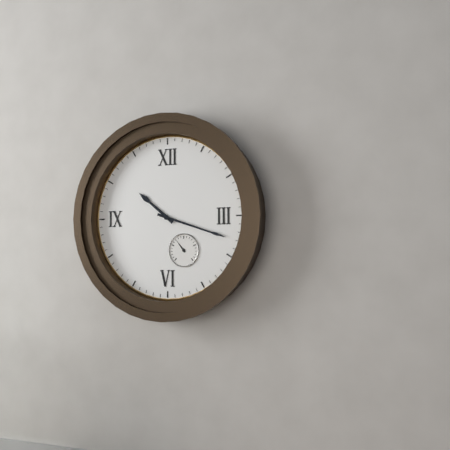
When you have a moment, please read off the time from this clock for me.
10:18
